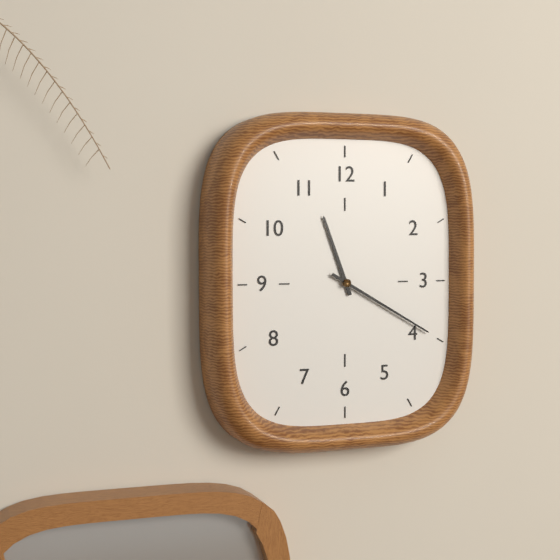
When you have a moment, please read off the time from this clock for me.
11:20
